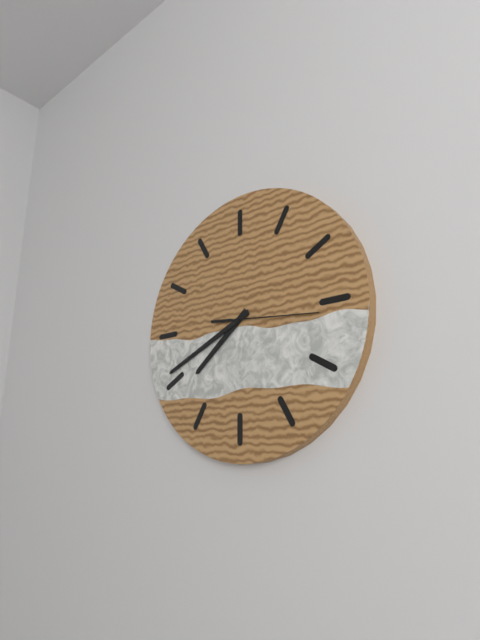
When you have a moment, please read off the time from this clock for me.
7:41:16
